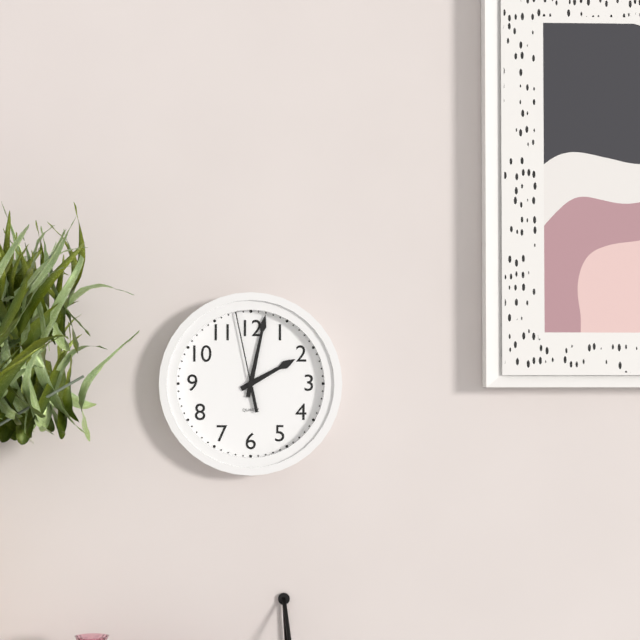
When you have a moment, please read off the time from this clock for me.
2:02:58
